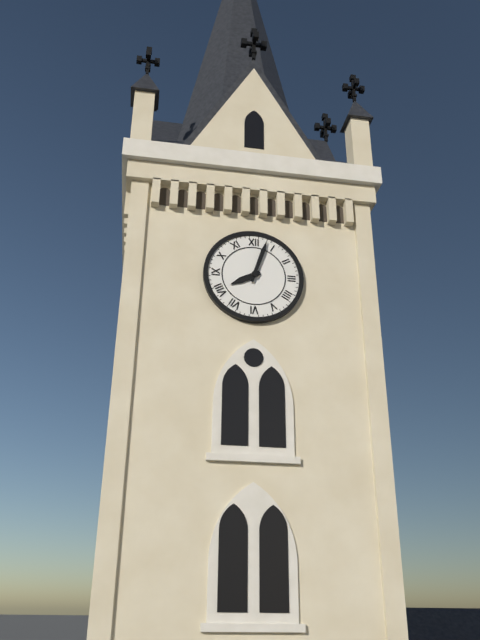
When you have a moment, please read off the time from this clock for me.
8:03
